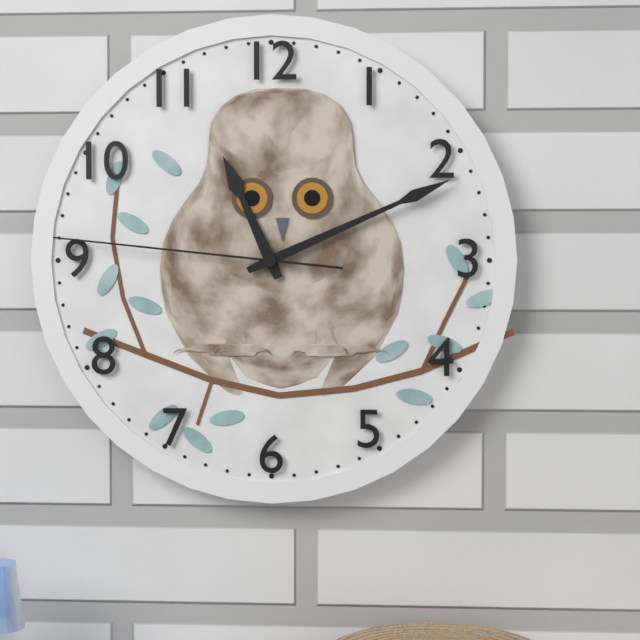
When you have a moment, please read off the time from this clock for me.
11:11:46
